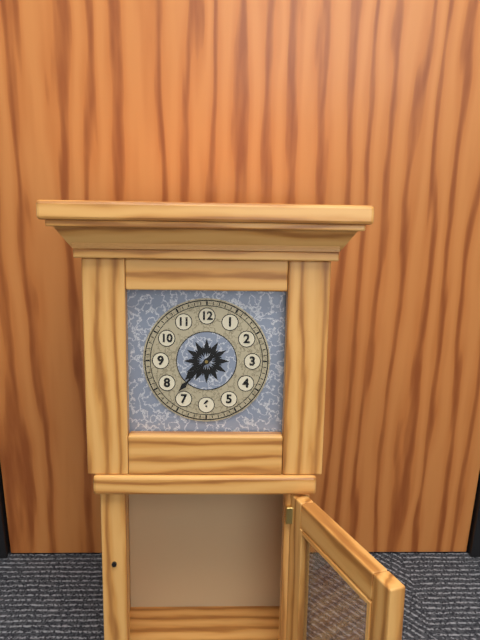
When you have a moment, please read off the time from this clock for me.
7:37
